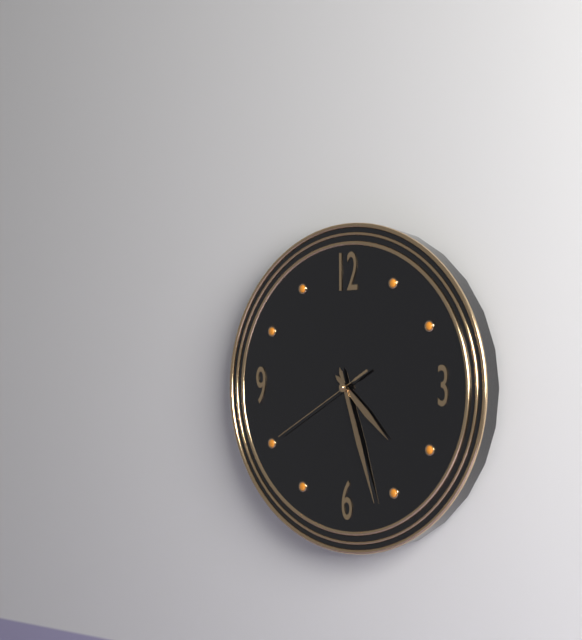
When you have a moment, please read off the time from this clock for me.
4:27:40
